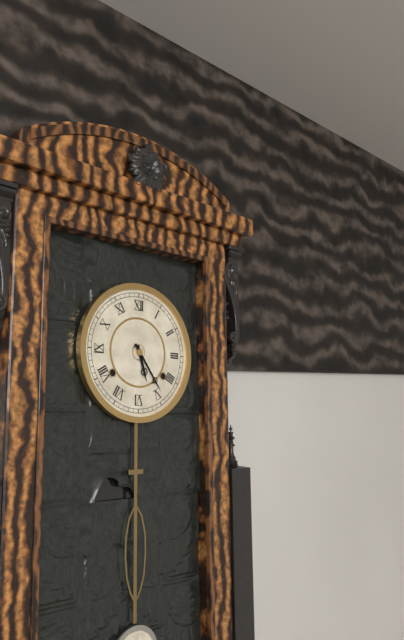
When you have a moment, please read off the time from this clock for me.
5:24
